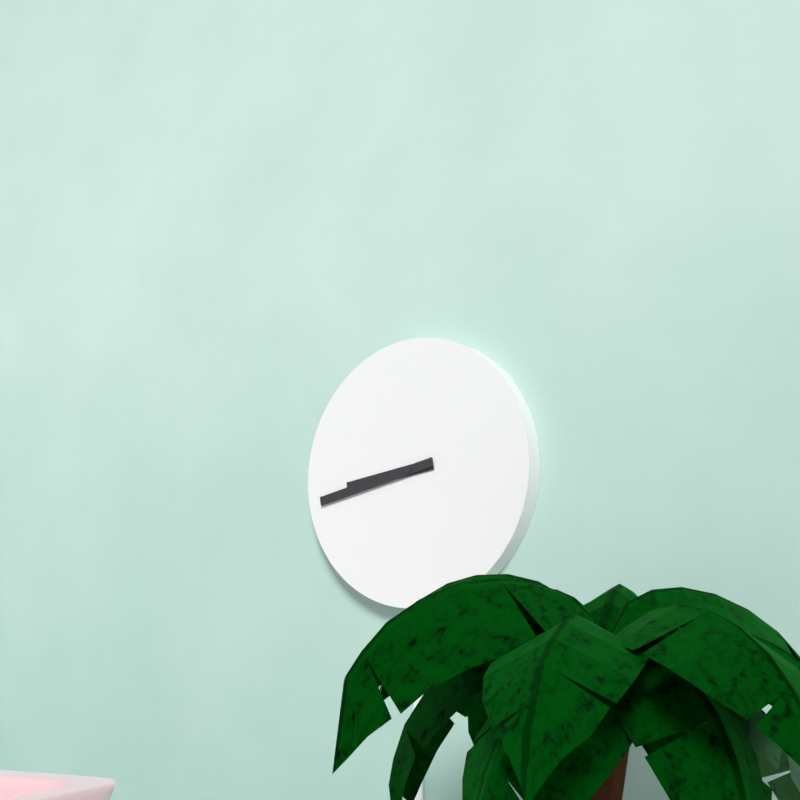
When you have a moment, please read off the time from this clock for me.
8:43
